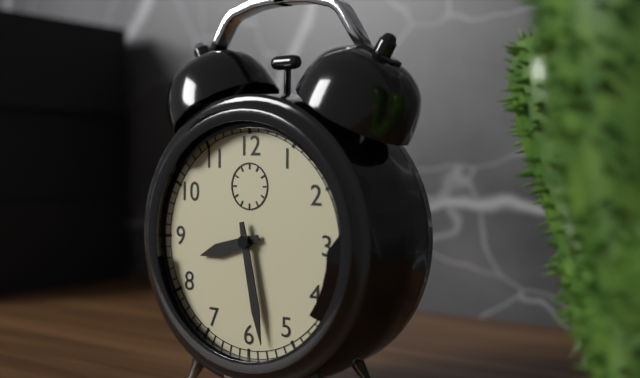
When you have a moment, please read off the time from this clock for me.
8:28
